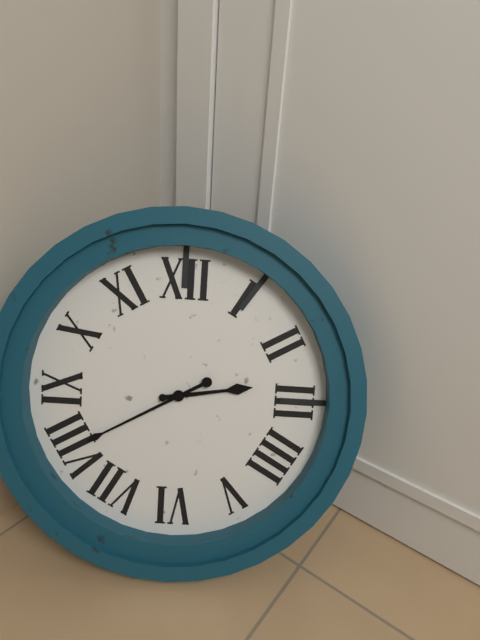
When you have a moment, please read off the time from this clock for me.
2:40
